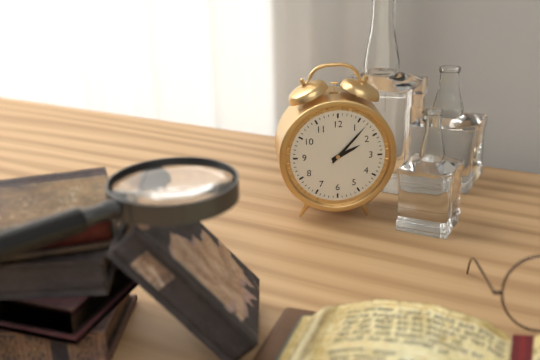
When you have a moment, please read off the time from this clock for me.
2:07
